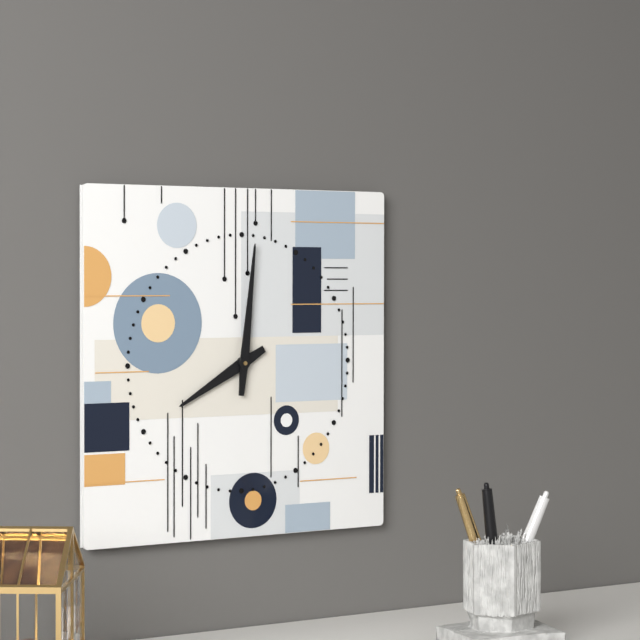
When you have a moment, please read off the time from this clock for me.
8:01
